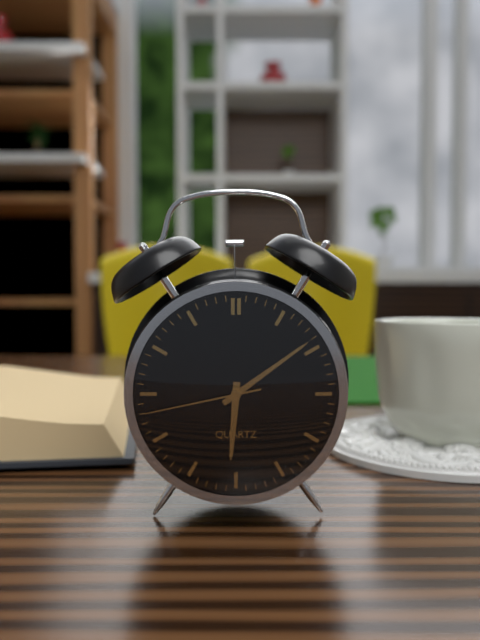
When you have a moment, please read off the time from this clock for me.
6:09:43
